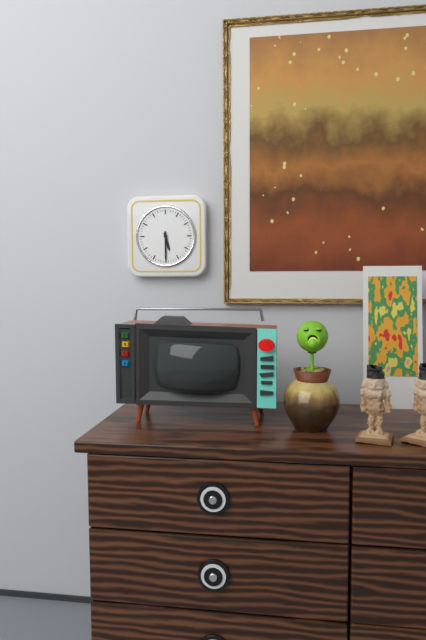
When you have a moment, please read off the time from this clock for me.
5:30
